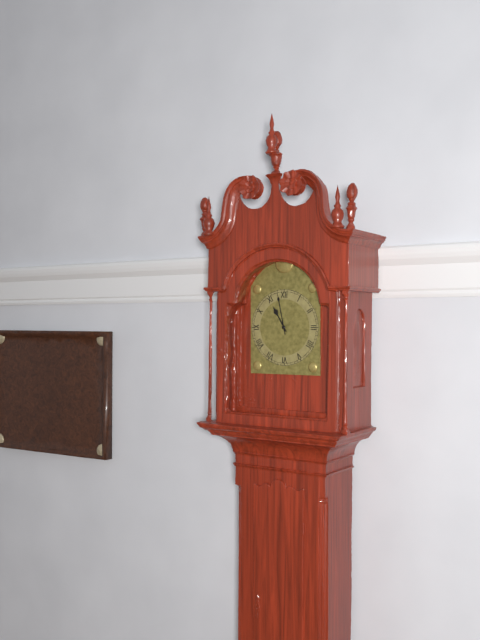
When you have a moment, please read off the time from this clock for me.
10:58
